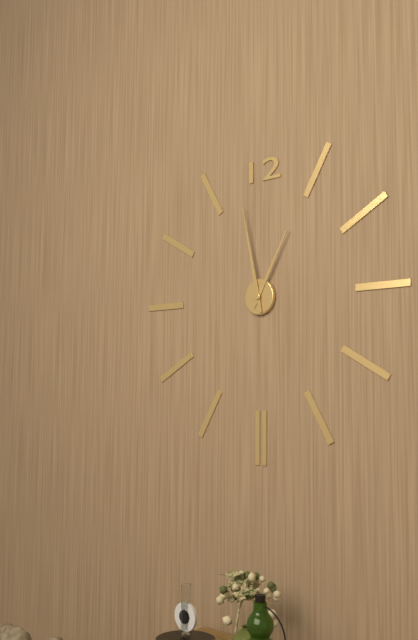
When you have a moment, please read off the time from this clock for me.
12:58
